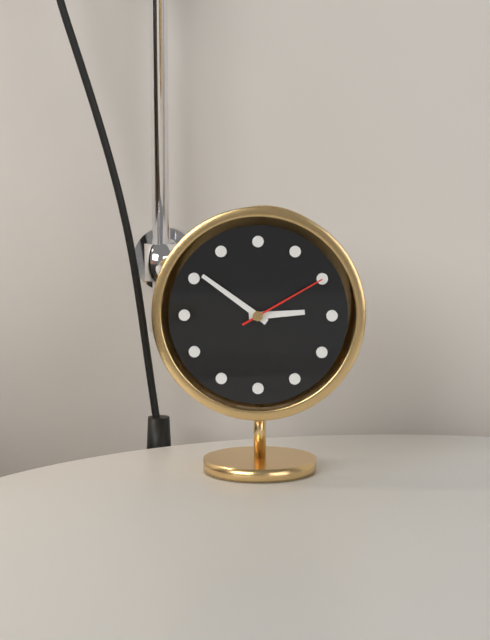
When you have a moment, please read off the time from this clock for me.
2:51:10
